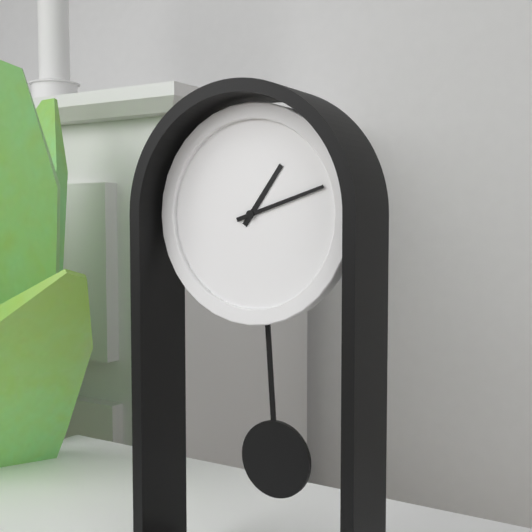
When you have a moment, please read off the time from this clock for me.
1:12
